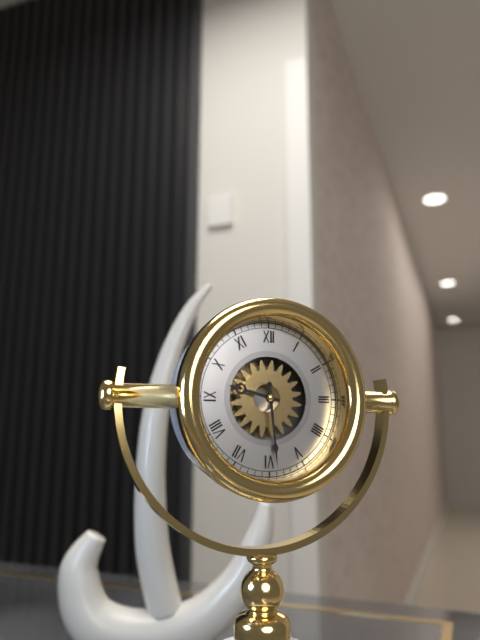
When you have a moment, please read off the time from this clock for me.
9:29
